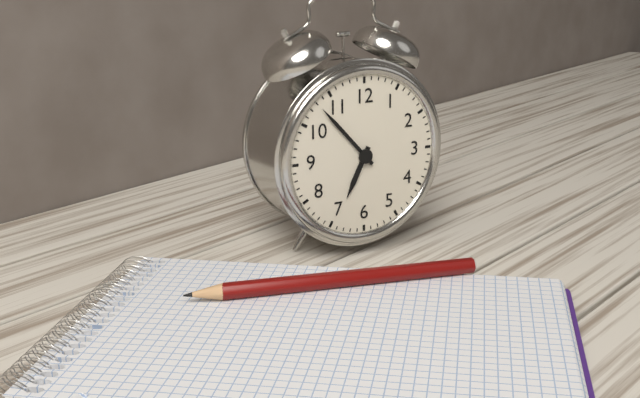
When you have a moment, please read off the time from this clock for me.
6:53
